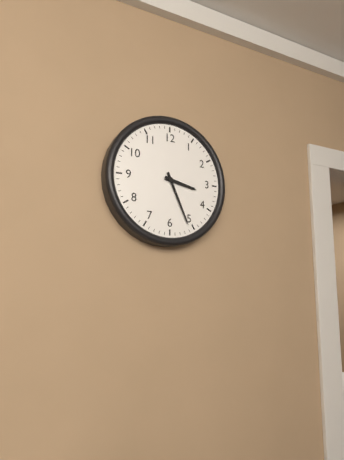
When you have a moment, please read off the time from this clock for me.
3:26
